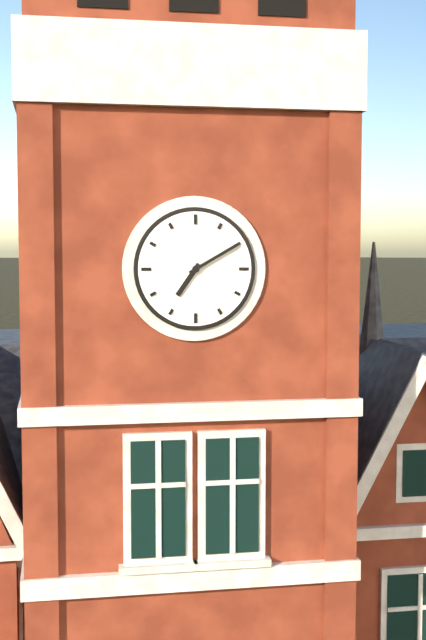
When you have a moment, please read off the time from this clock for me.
7:10
